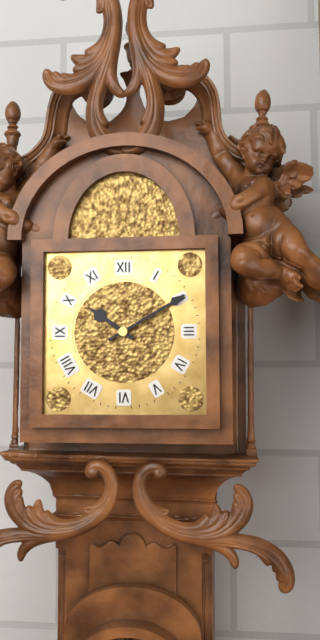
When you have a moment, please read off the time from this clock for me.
10:10
